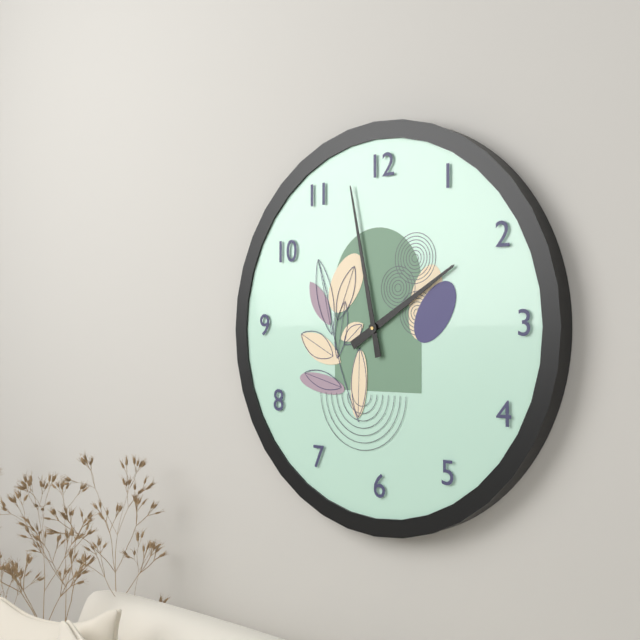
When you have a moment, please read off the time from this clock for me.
1:58
